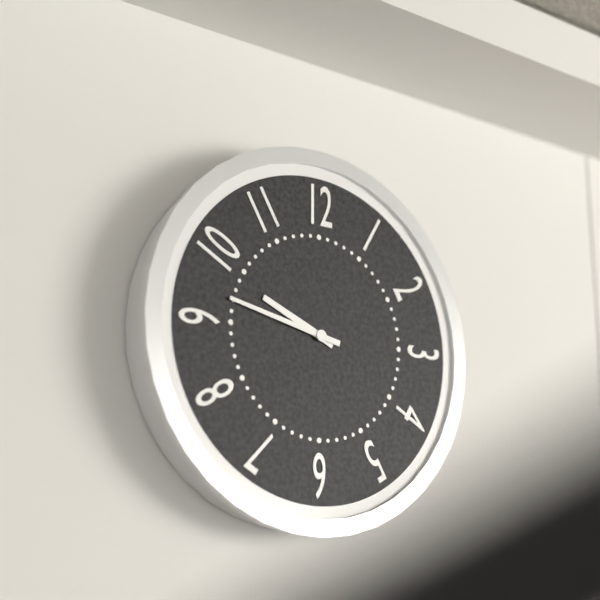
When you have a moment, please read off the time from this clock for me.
9:47
